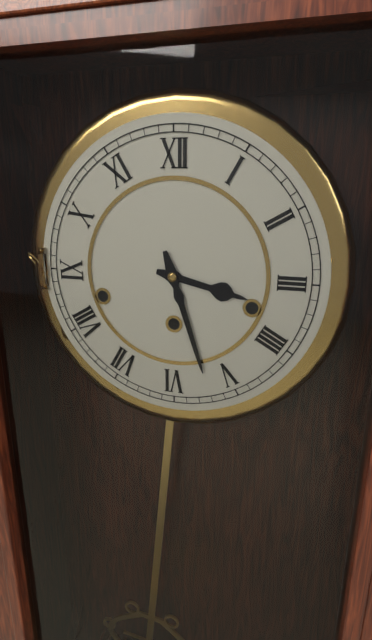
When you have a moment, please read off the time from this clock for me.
3:27
